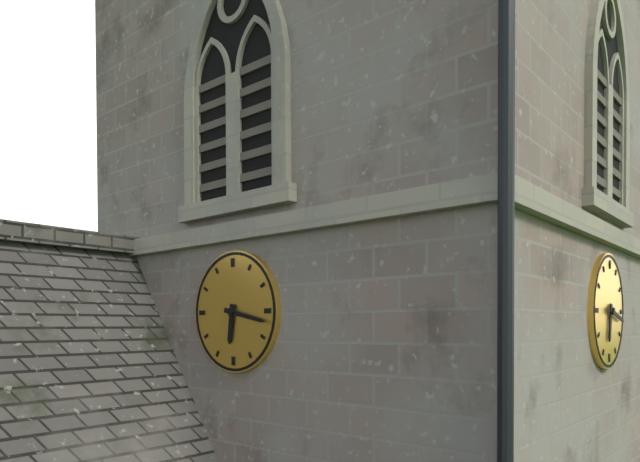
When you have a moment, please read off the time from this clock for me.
6:17
